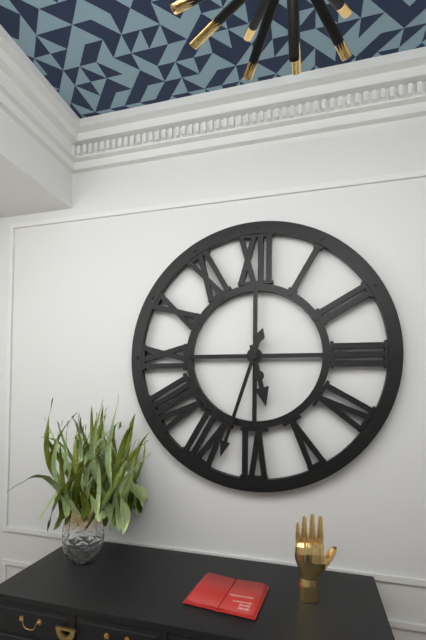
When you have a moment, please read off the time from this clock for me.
5:33
